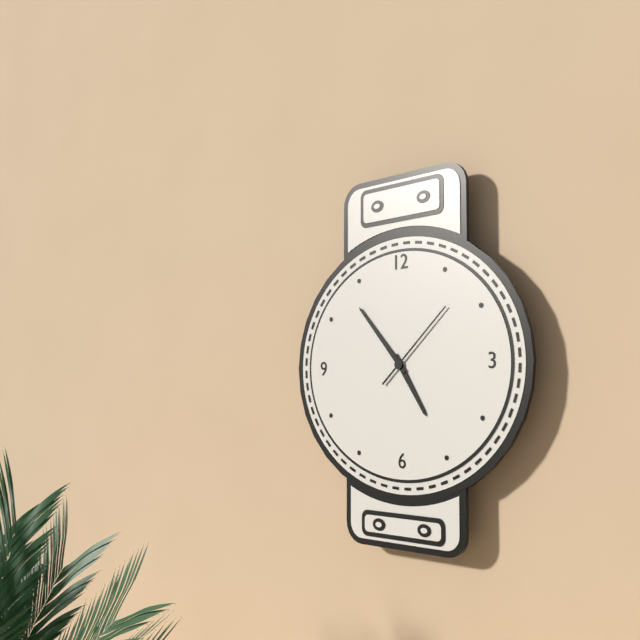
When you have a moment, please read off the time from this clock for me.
4:53:08
